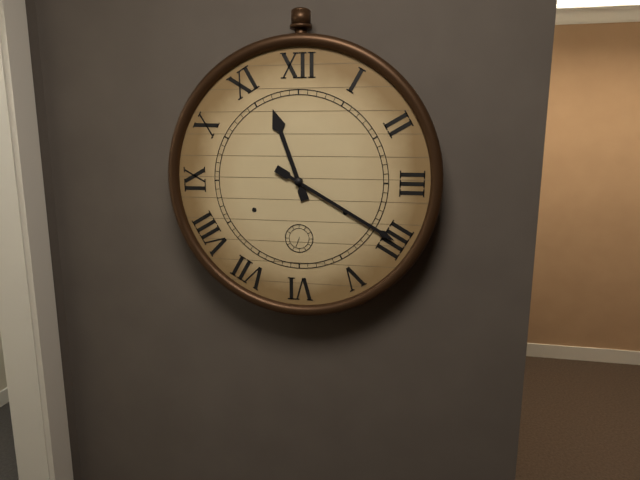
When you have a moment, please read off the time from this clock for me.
11:20
